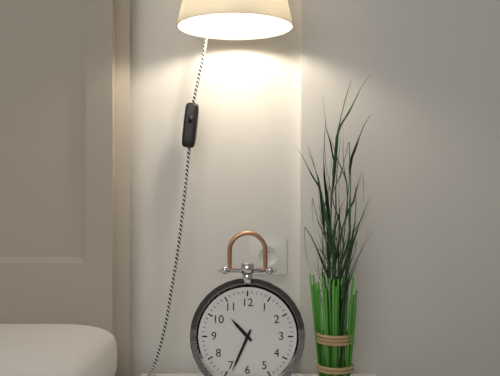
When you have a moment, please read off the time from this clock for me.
10:34
